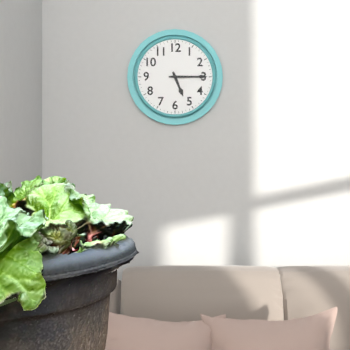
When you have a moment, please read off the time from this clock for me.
5:15
